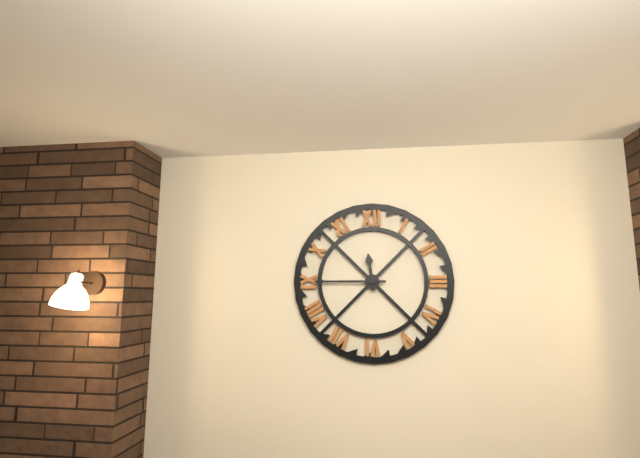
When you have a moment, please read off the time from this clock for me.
11:45
